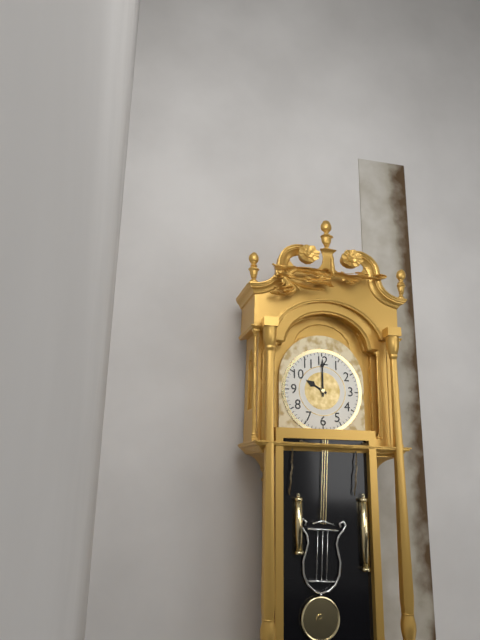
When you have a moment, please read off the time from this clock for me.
10:00
